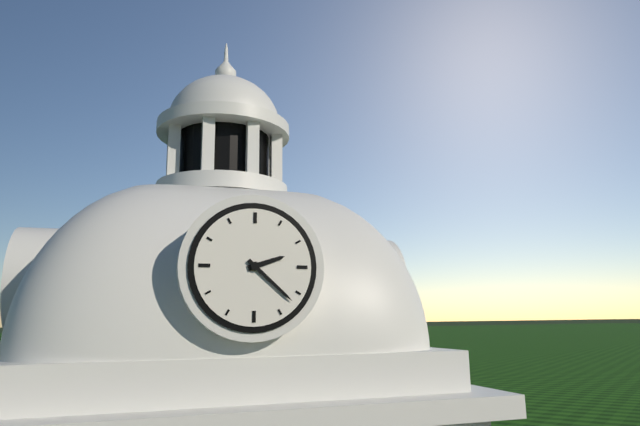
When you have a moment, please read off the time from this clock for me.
2:22
